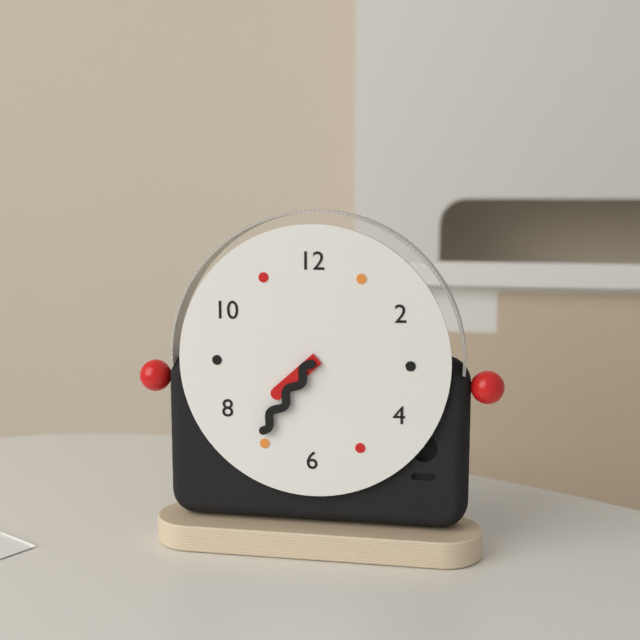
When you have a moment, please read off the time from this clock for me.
7:36
